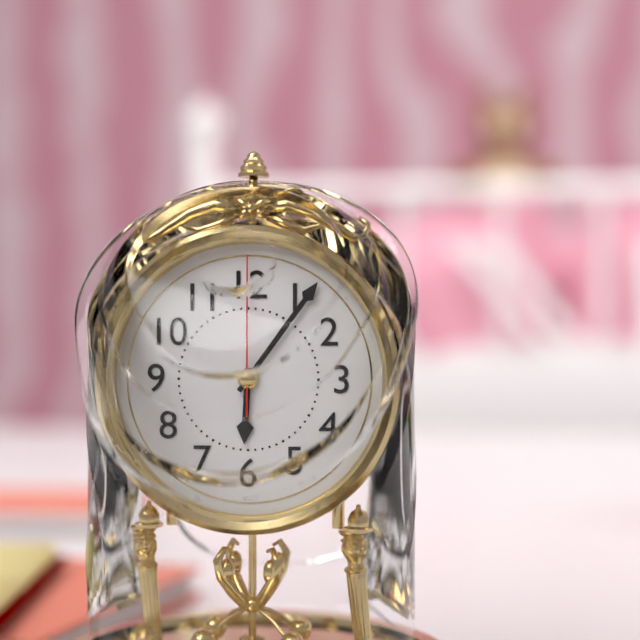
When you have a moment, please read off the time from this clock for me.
6:06:00
